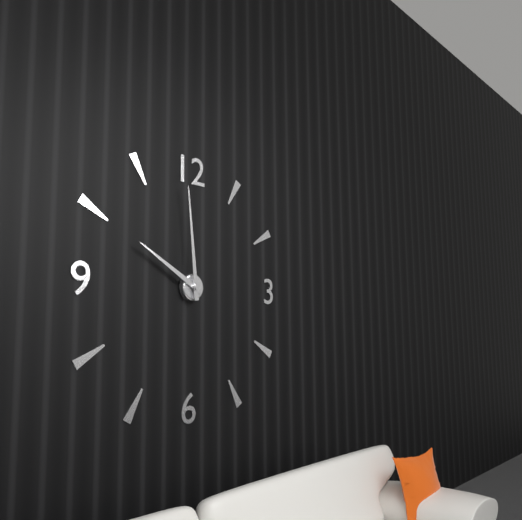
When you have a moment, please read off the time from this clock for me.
9:59
